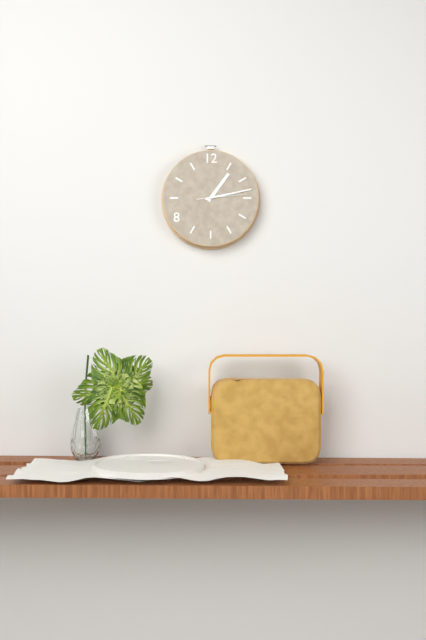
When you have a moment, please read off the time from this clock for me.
1:13
